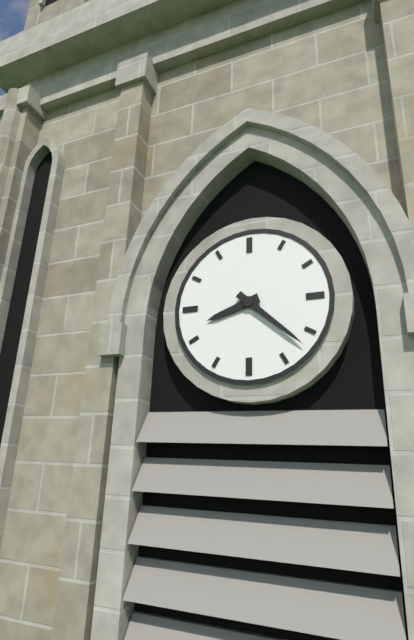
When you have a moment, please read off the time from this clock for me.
8:22
